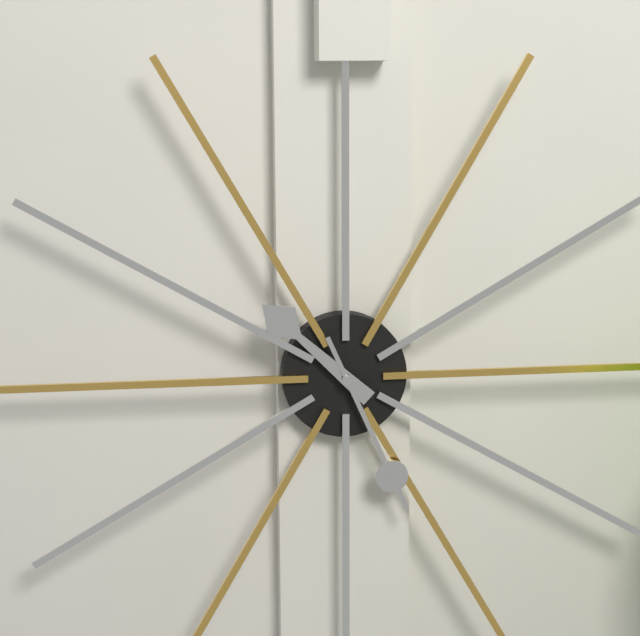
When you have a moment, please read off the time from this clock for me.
10:26
